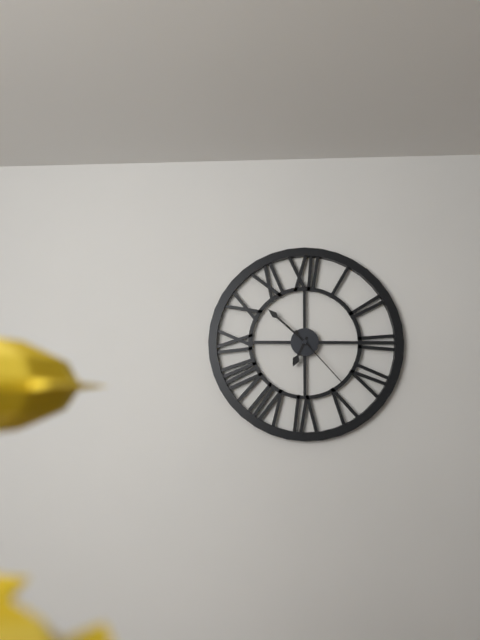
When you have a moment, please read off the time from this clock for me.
6:52:23
